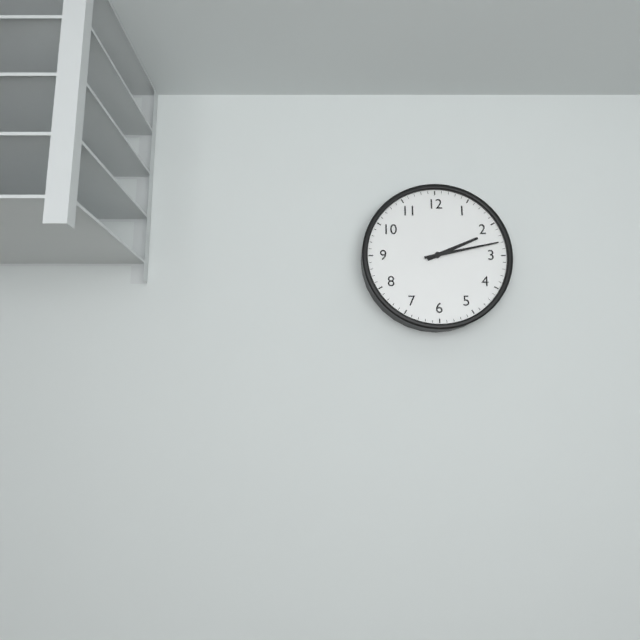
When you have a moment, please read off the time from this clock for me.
2:13
